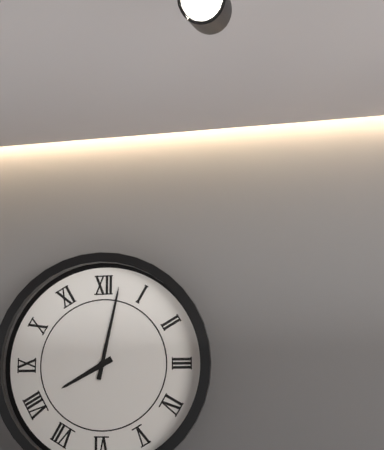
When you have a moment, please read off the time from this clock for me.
8:02
